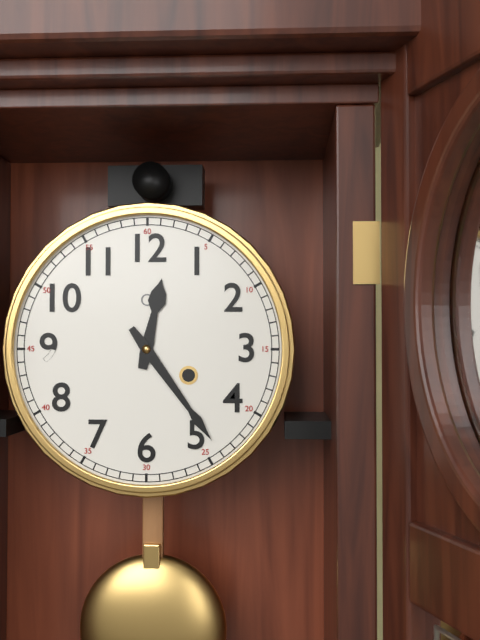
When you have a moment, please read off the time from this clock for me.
12:24
